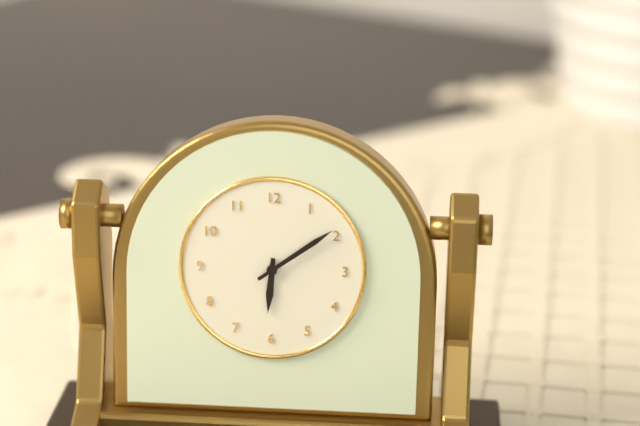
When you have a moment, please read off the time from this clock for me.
6:09
